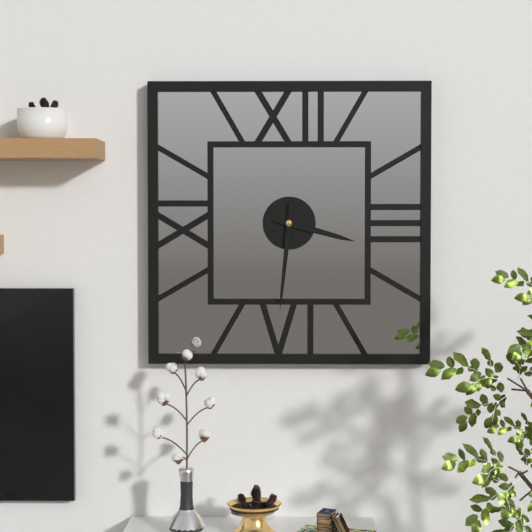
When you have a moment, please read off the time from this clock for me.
3:31
